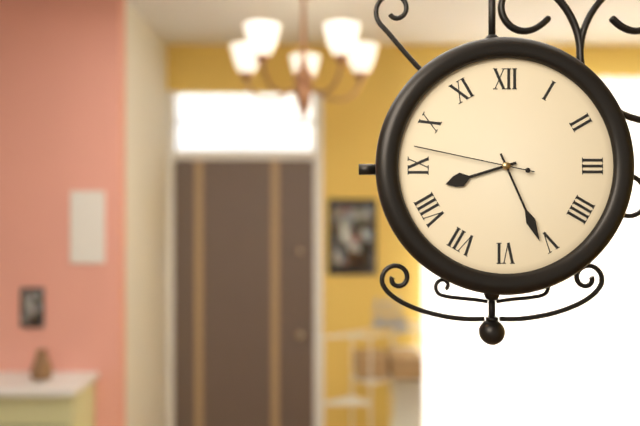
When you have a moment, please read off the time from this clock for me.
8:26:47
